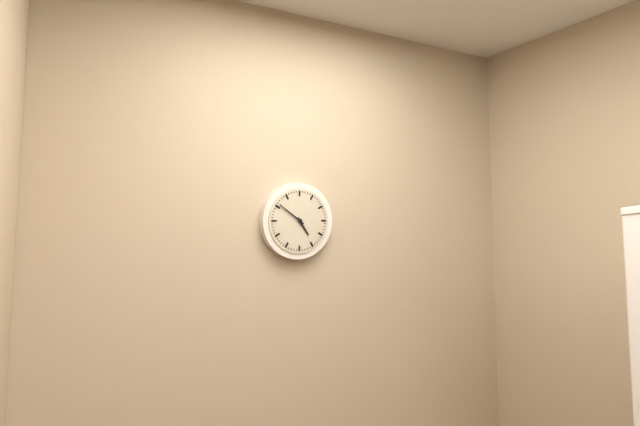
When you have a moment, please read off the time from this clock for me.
4:51
